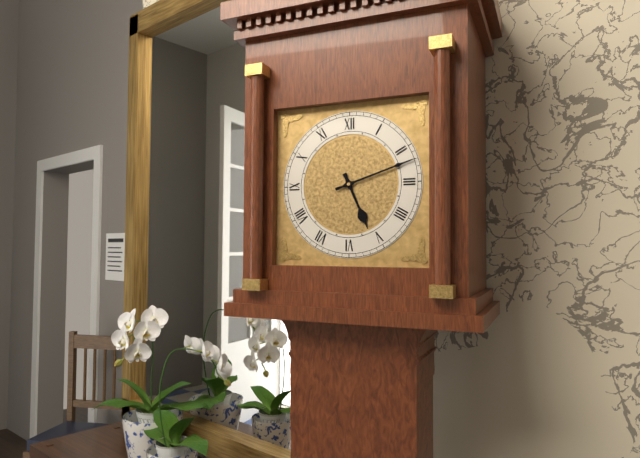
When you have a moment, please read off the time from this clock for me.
5:12
